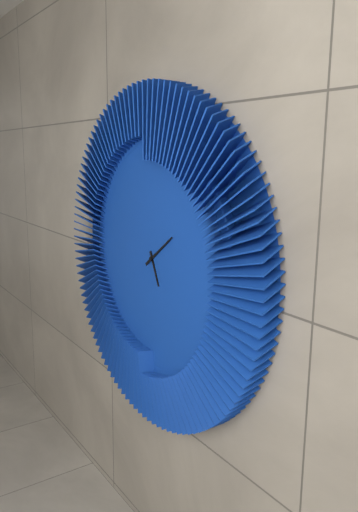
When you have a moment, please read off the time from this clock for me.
5:09
